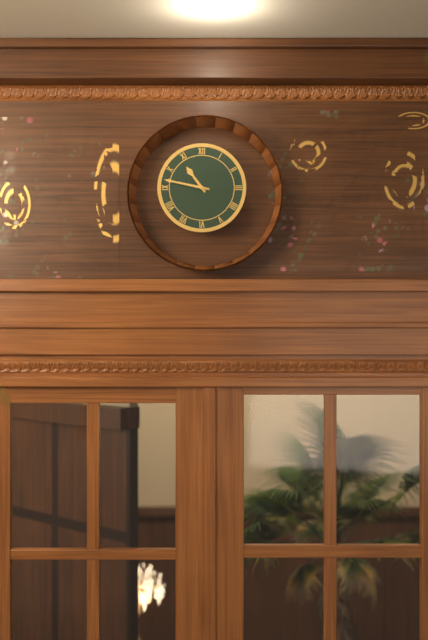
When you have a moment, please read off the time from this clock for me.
10:47
